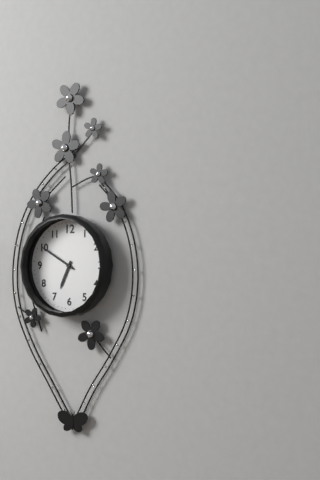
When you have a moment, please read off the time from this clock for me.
6:50
